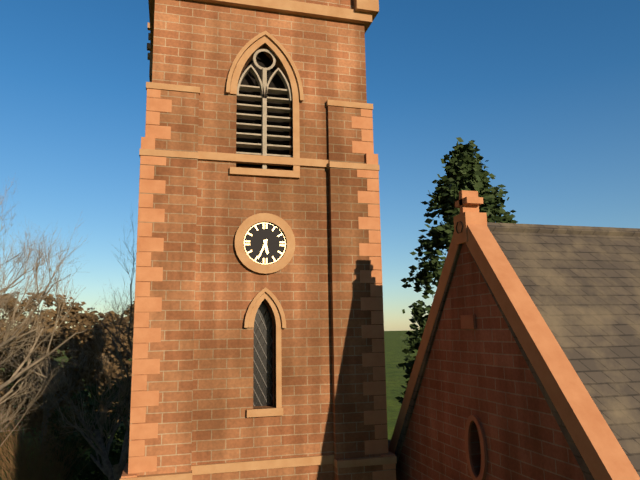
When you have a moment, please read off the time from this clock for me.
5:34
